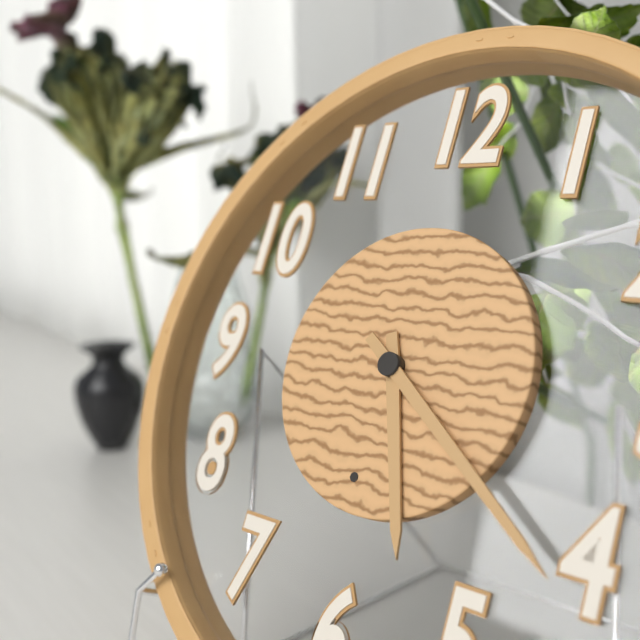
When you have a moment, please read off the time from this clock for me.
5:21
